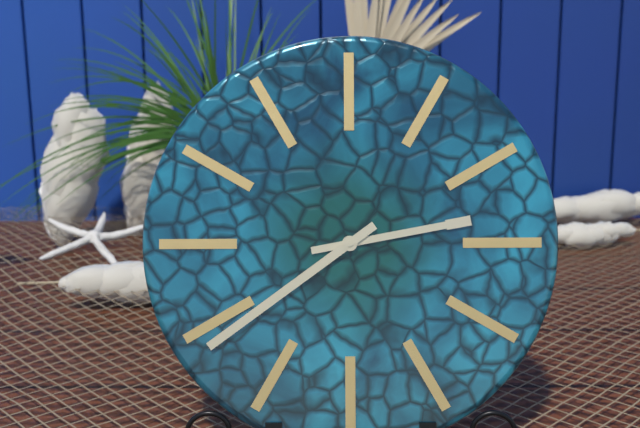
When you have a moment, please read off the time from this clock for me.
2:39
